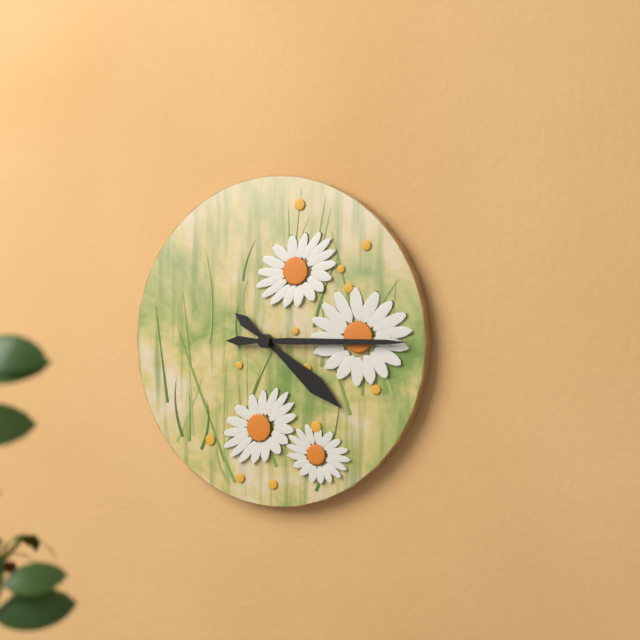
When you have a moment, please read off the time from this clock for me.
4:15
